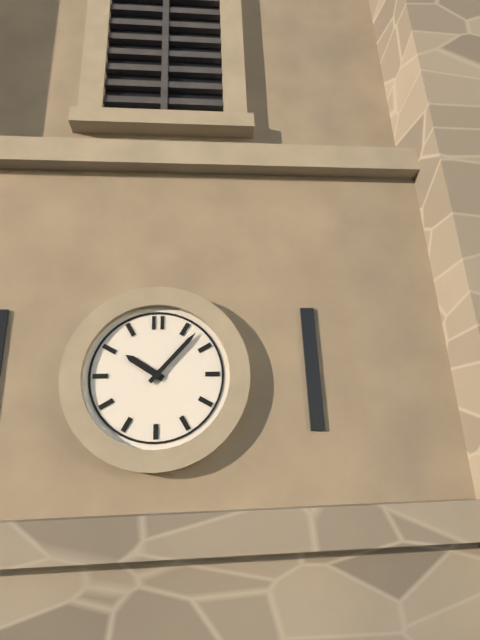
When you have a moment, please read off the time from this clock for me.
10:07
